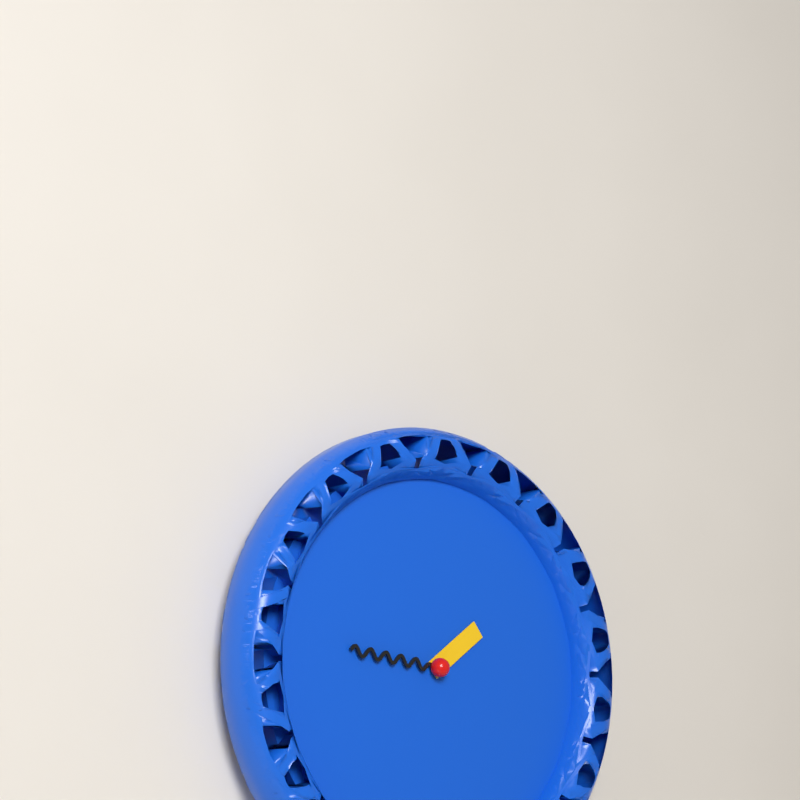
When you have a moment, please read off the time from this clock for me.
1:46
